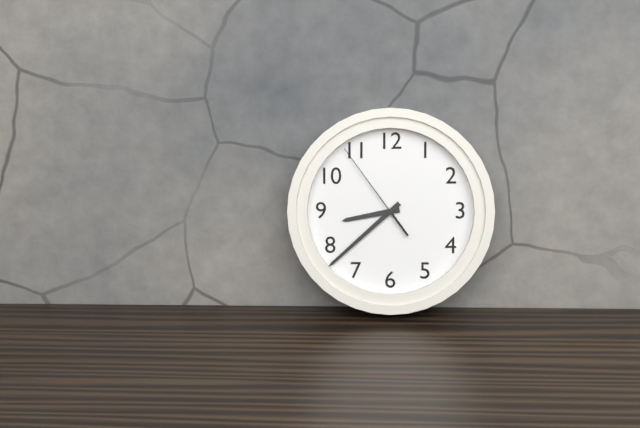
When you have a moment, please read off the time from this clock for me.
8:38:54
